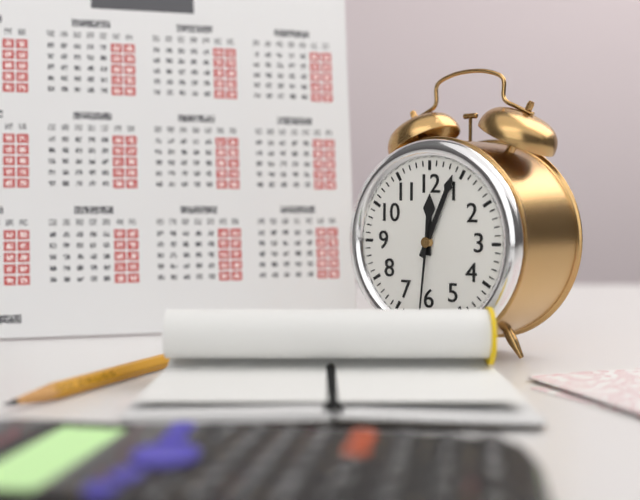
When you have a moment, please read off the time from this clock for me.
12:04:31
